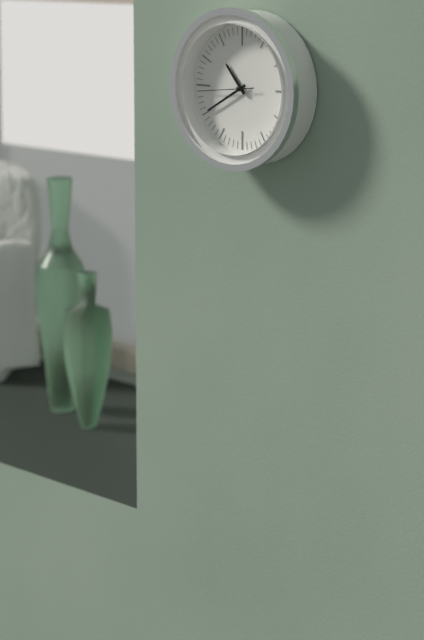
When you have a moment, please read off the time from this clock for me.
10:40:44
